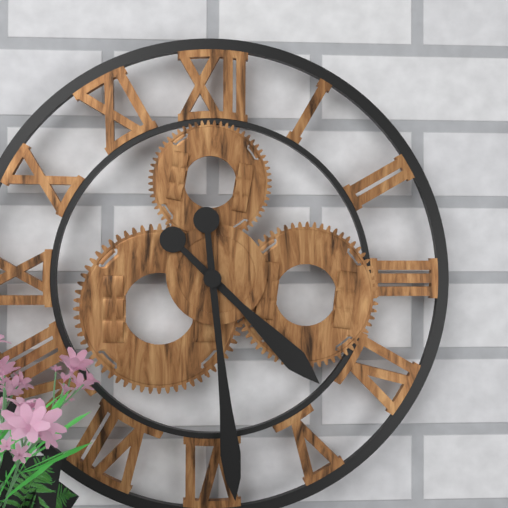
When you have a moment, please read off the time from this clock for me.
4:29
